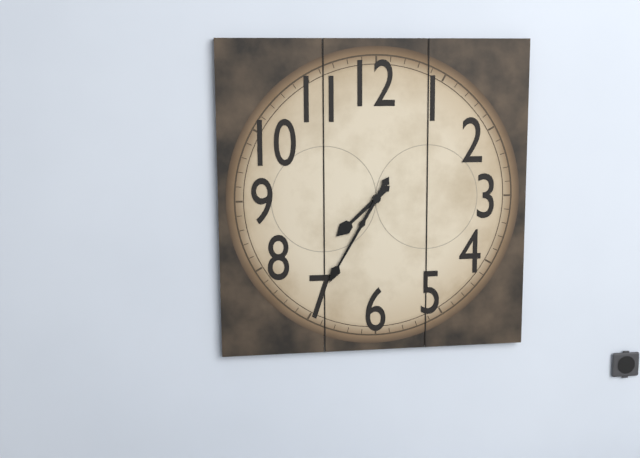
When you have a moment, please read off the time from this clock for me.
7:35
